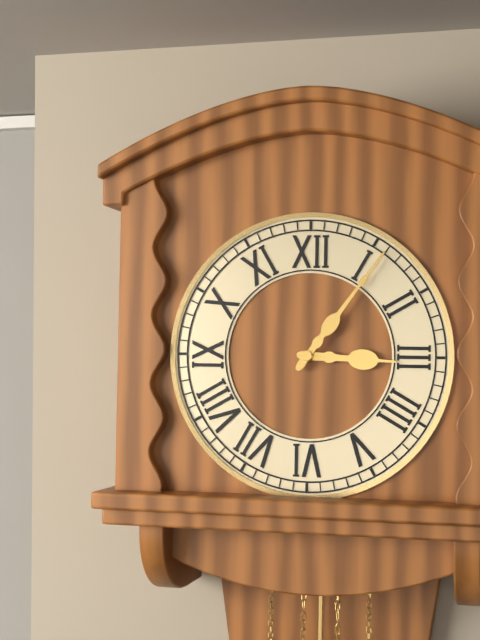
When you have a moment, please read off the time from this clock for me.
3:06
